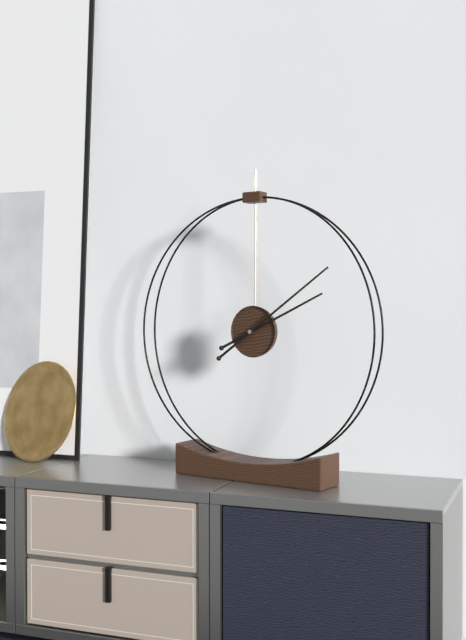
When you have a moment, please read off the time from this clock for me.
2:09
